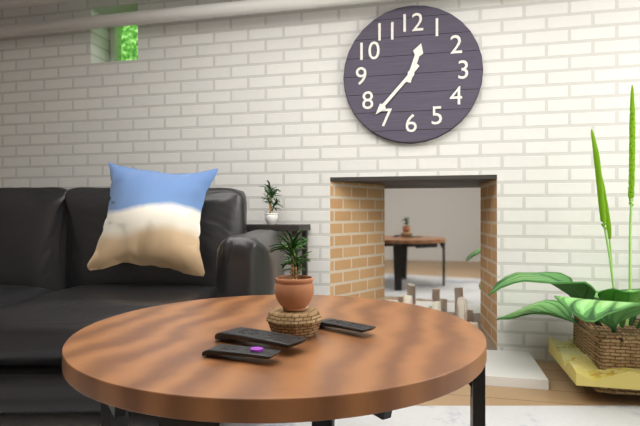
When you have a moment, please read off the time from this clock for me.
12:37
